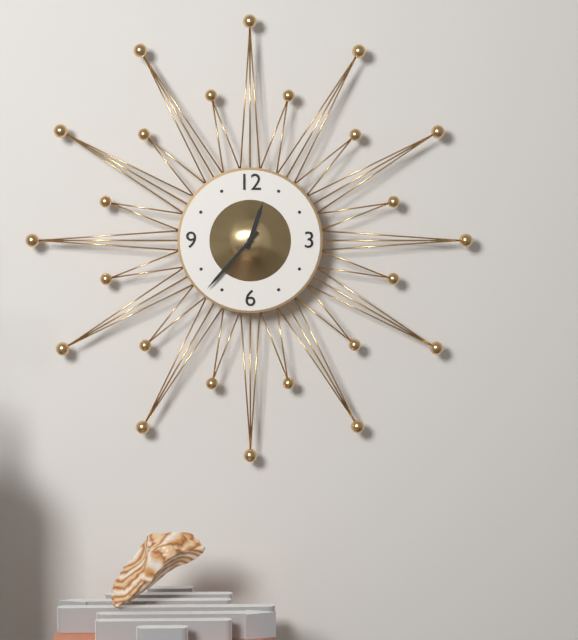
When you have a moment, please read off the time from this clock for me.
12:37
